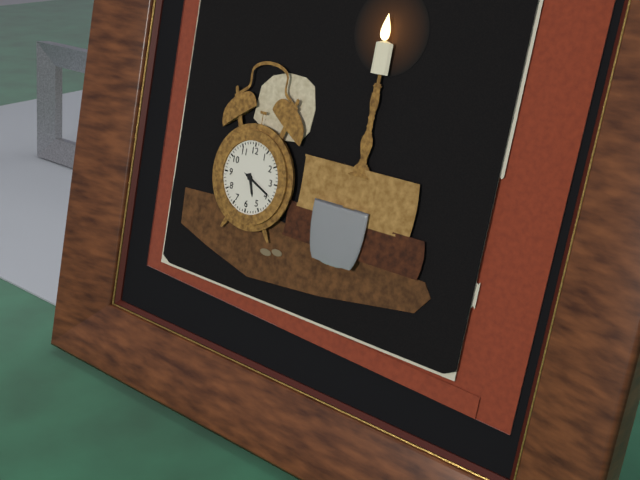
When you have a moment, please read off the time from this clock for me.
5:19
